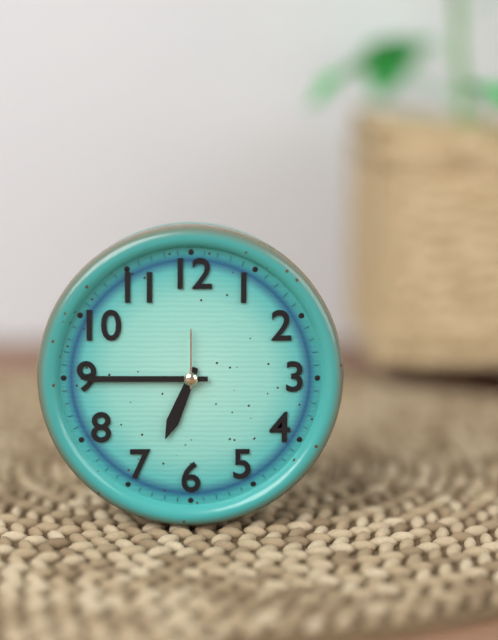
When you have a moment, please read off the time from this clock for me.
6:45:00
